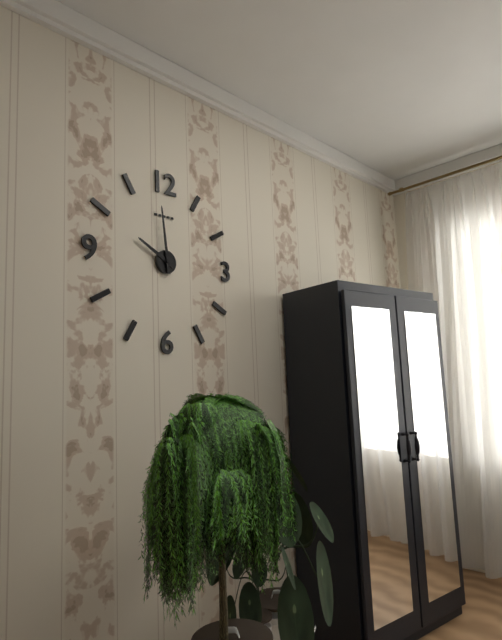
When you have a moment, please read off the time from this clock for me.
9:59
